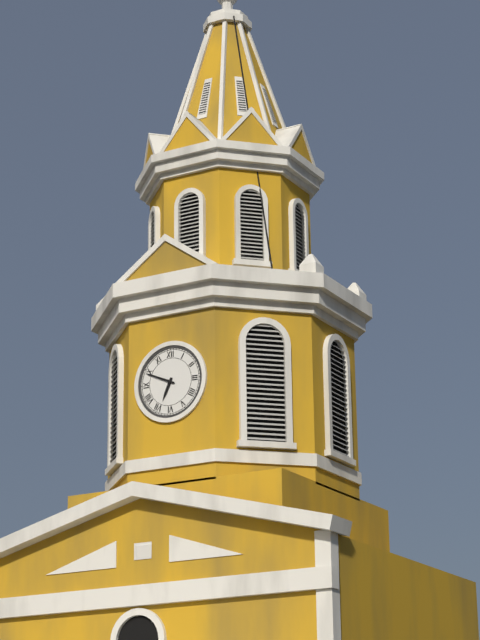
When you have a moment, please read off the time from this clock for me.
6:49
